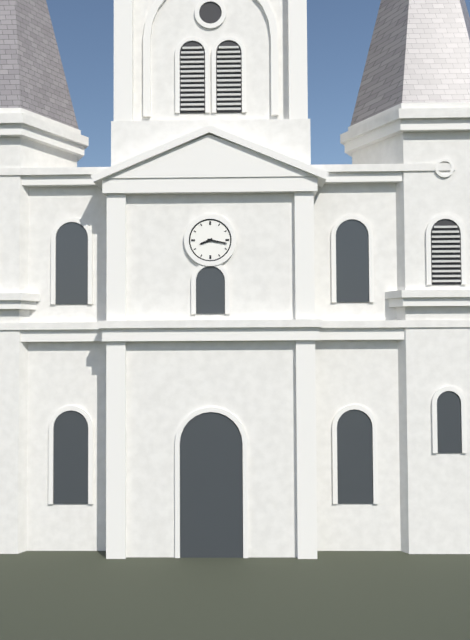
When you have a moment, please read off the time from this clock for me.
8:17
